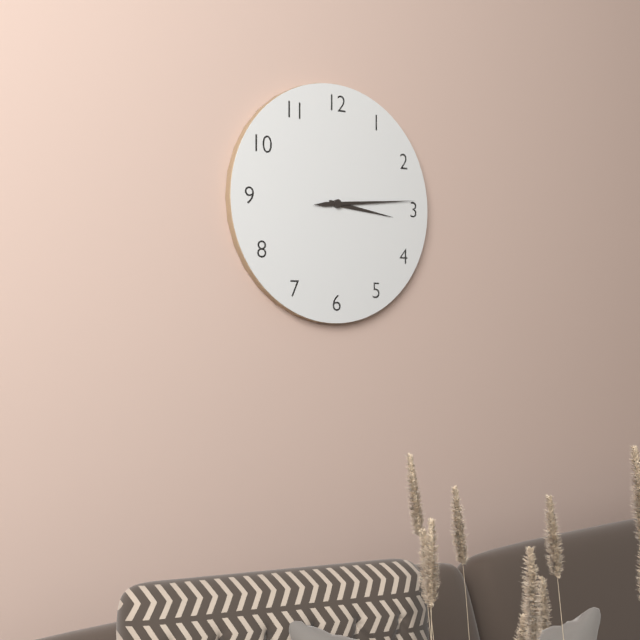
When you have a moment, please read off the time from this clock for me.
3:14
